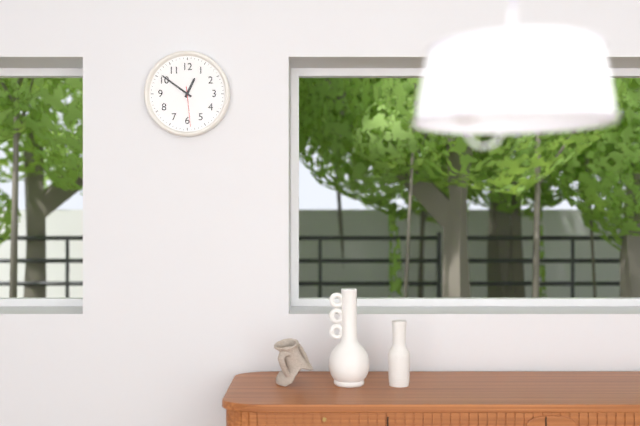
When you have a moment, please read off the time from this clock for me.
12:51
